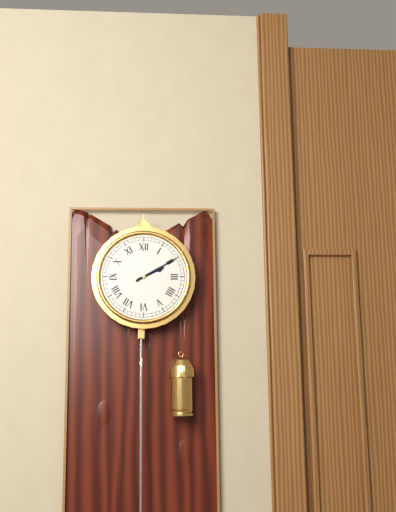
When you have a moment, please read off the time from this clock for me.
2:10
